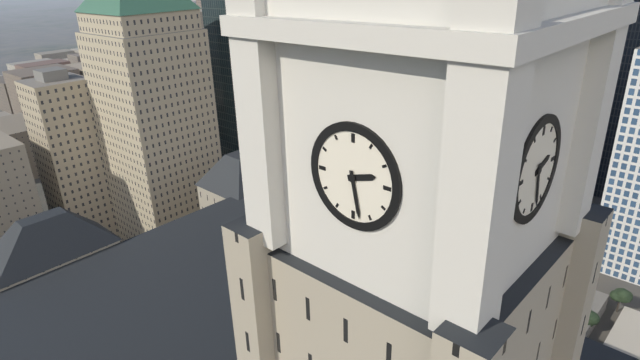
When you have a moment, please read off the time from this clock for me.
2:28
